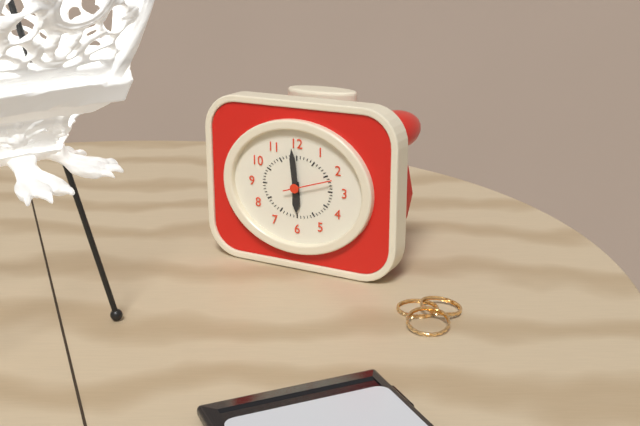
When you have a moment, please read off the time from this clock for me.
5:59
